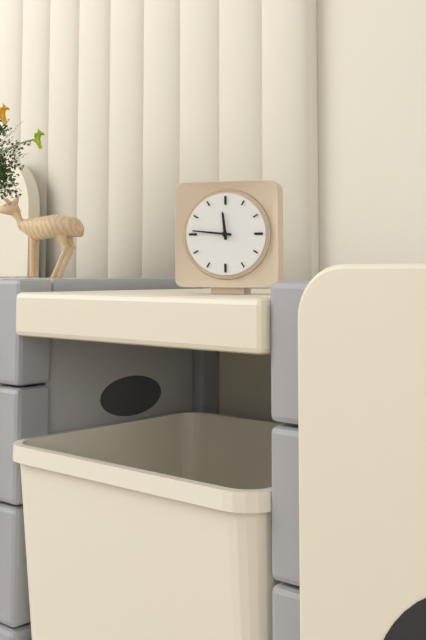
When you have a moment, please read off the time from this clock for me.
11:46
